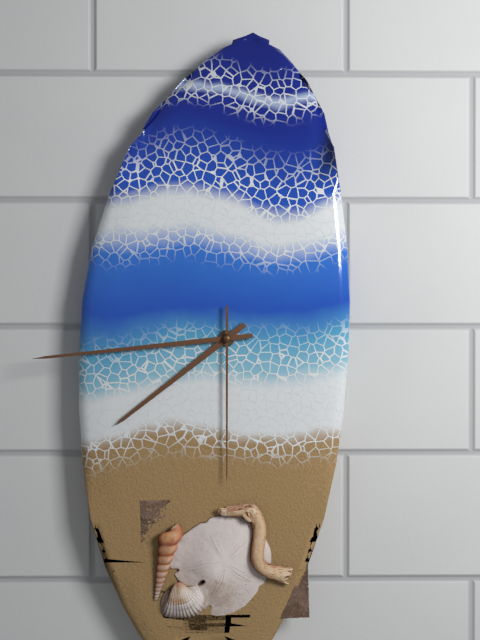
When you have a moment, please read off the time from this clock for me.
7:44:30
